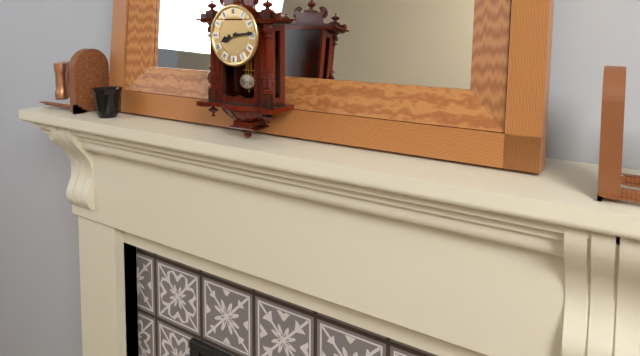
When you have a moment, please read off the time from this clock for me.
8:14
